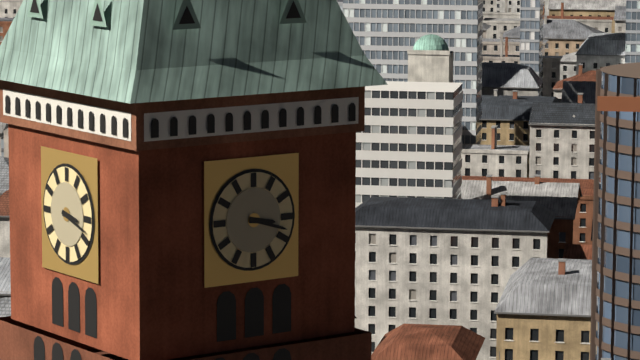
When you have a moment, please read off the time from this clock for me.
3:18
